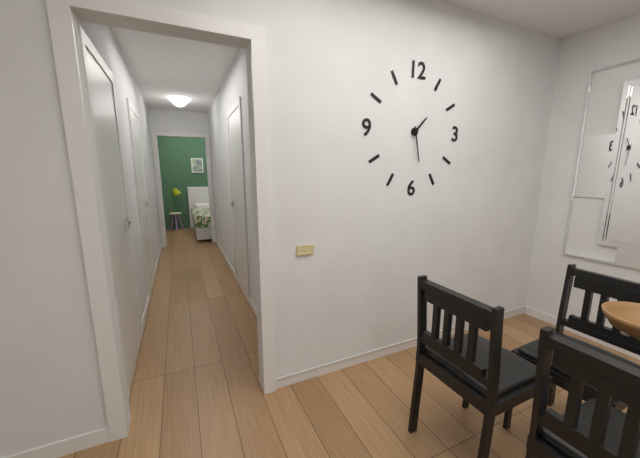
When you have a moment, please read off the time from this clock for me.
1:28
